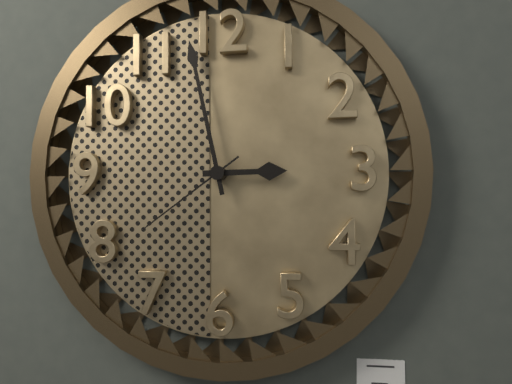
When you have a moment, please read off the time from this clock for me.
2:58:39
